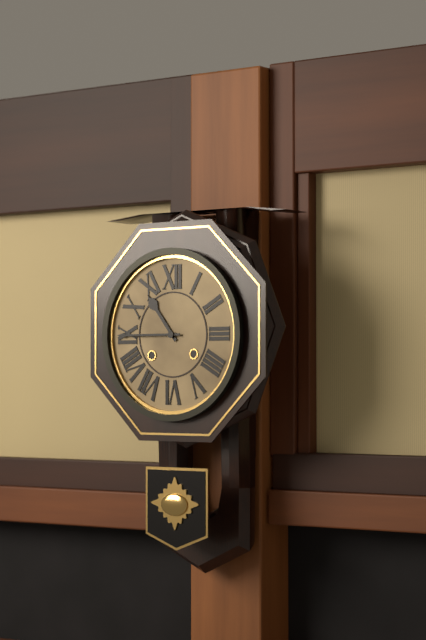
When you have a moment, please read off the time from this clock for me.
10:45
